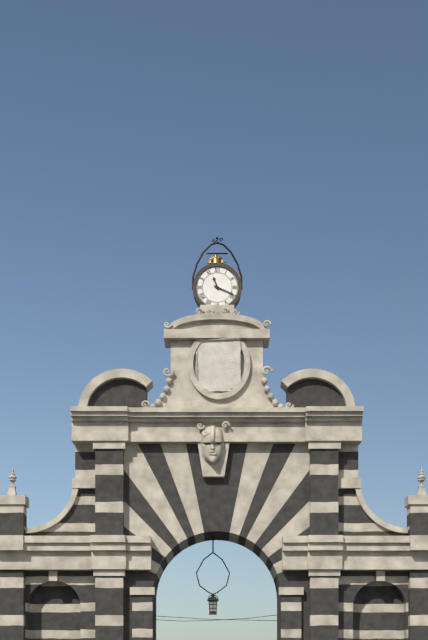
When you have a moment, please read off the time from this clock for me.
11:19
